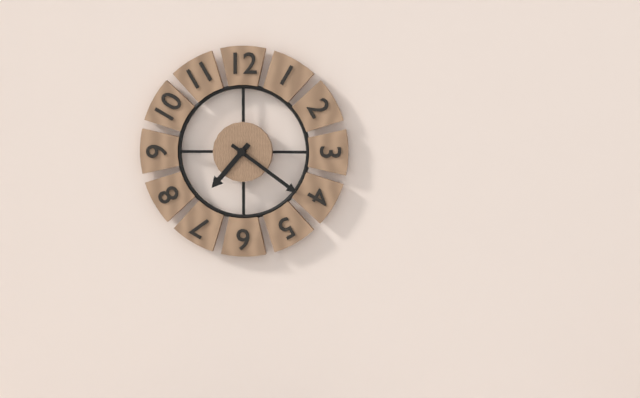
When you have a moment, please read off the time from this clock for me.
7:21
